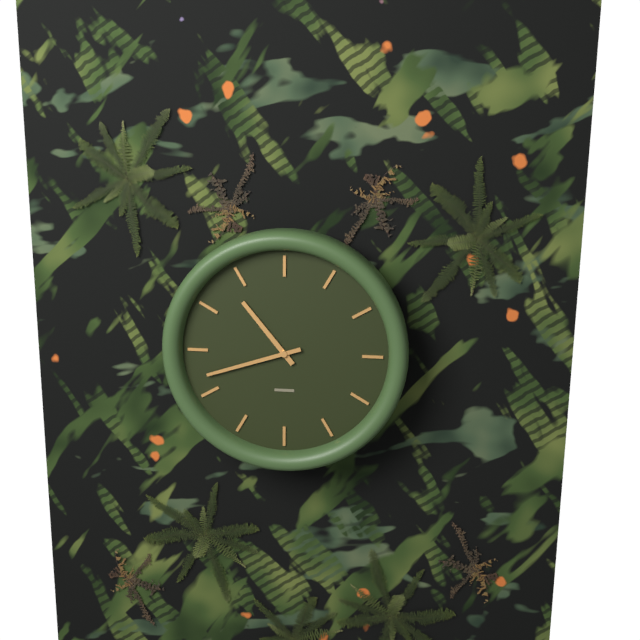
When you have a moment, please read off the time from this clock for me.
10:42
